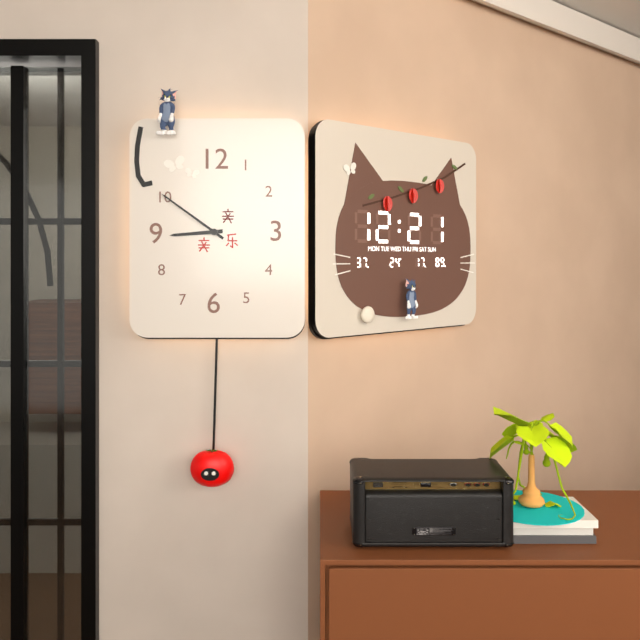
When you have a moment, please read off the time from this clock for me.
8:51
